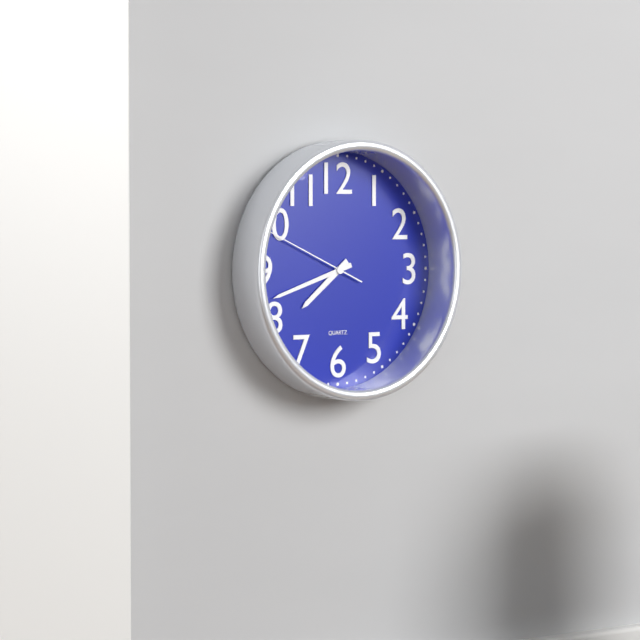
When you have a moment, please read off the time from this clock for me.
7:42:49
